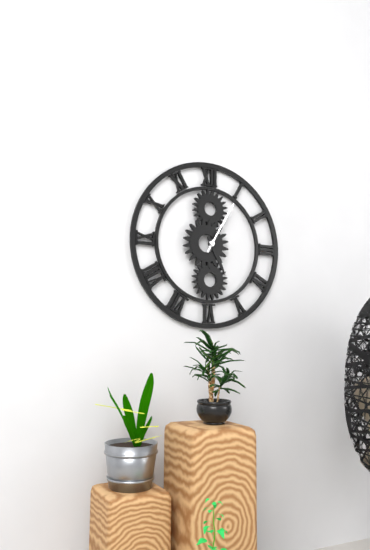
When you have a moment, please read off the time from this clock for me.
5:05
